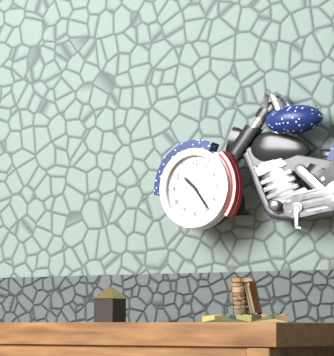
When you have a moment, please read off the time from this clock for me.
10:24
